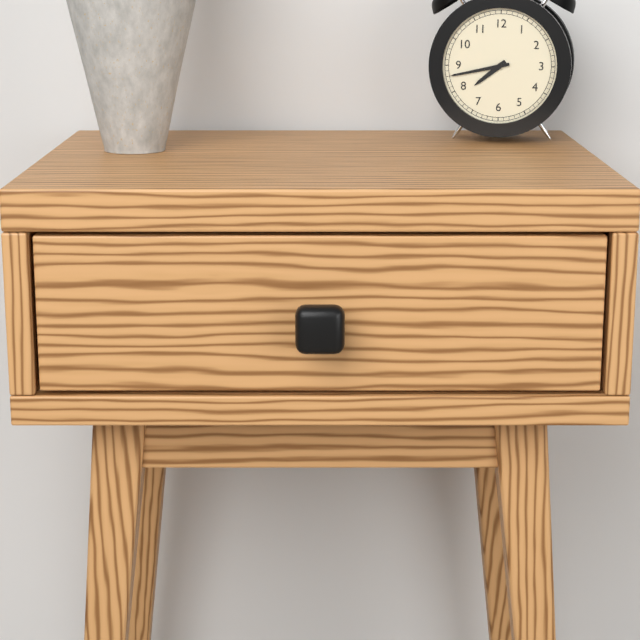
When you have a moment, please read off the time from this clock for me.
7:43
